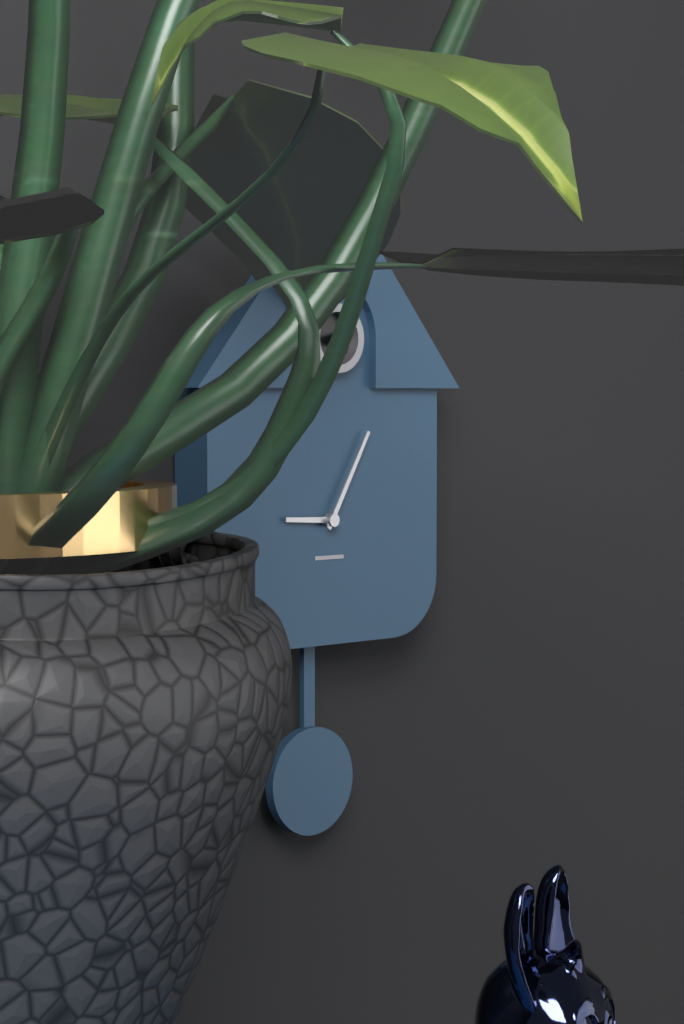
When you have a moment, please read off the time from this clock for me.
9:05
